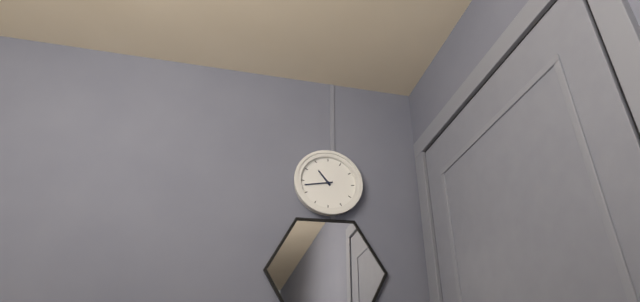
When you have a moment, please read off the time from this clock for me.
10:43
